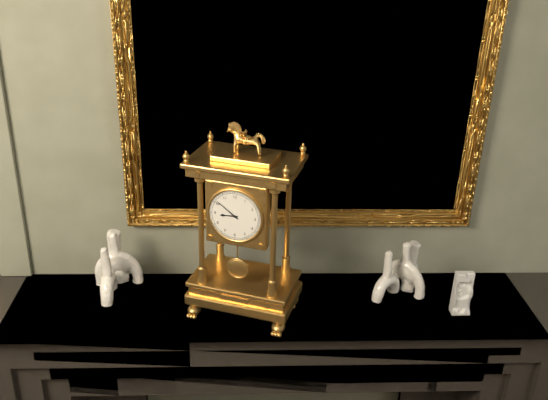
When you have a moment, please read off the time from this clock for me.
8:51
